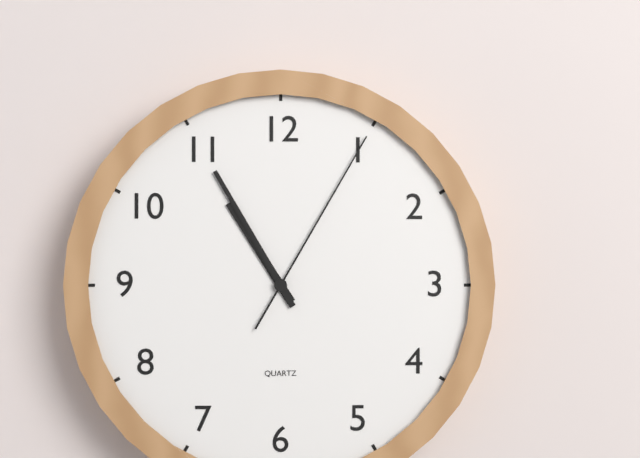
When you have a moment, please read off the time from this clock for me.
10:55:05
